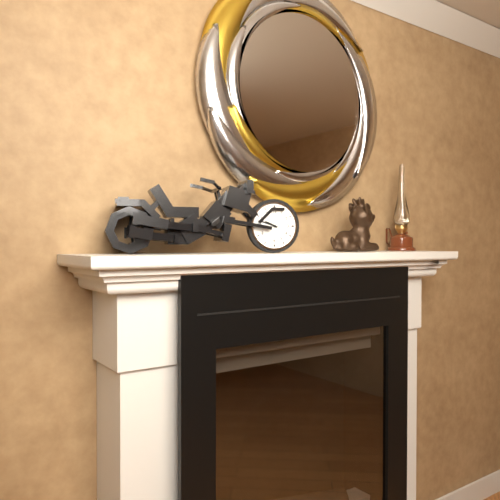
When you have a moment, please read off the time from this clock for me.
9:48
